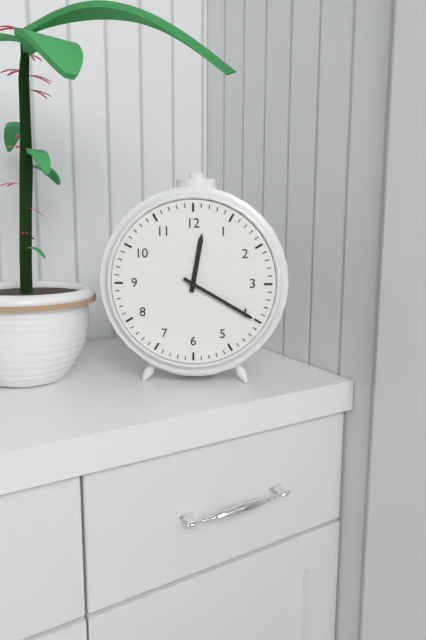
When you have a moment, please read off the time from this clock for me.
12:20
